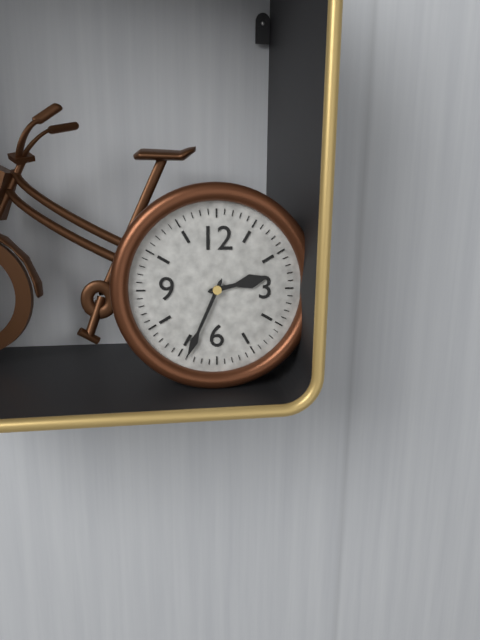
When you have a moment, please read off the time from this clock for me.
2:34
